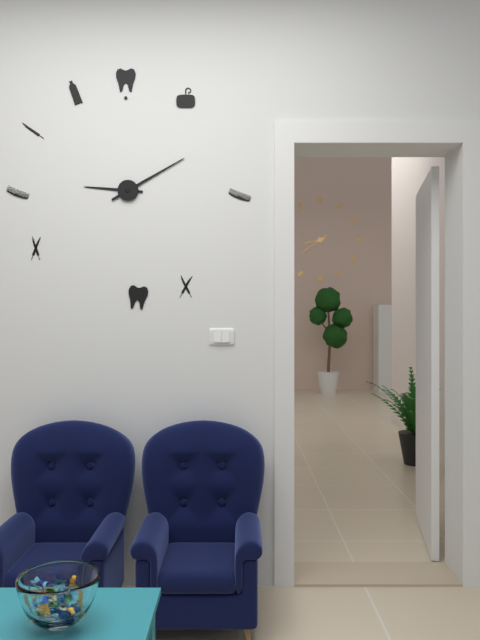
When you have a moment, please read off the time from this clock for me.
9:10
